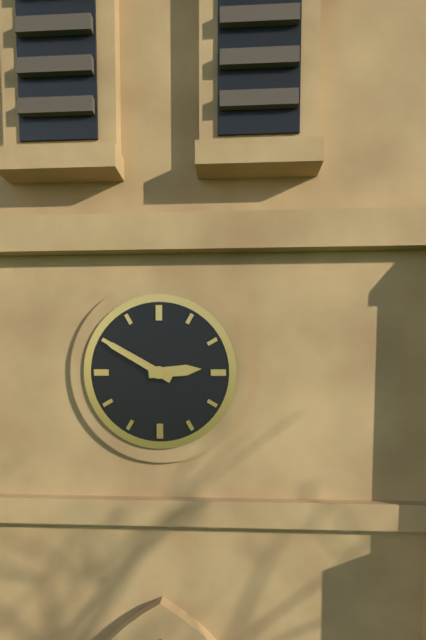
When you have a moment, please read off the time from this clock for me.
2:50
